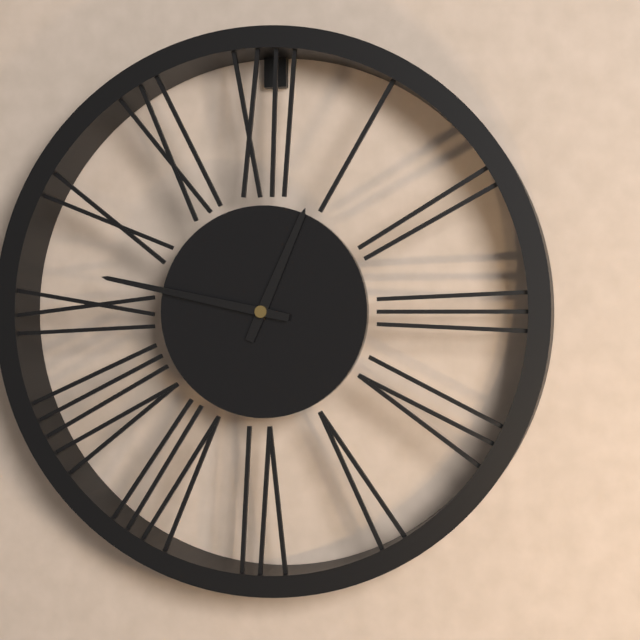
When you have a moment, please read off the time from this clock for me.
12:47
